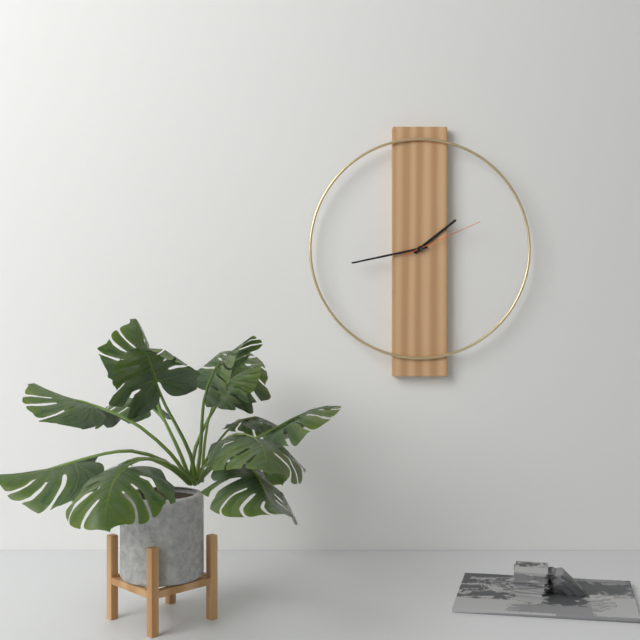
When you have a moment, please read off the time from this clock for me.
1:43:11
